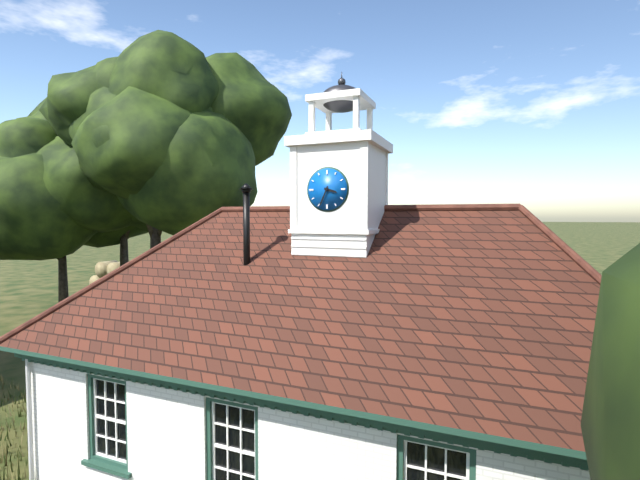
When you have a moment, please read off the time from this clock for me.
3:34
